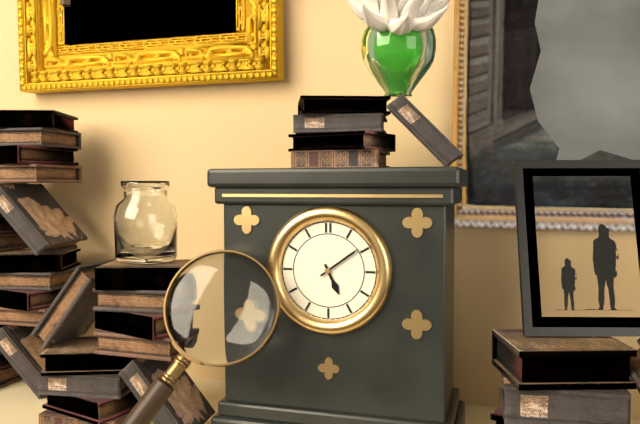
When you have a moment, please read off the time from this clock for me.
5:09
